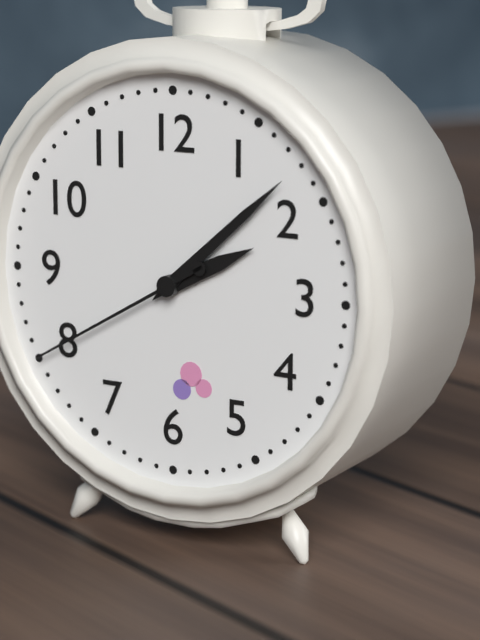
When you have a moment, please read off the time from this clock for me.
2:08:40
